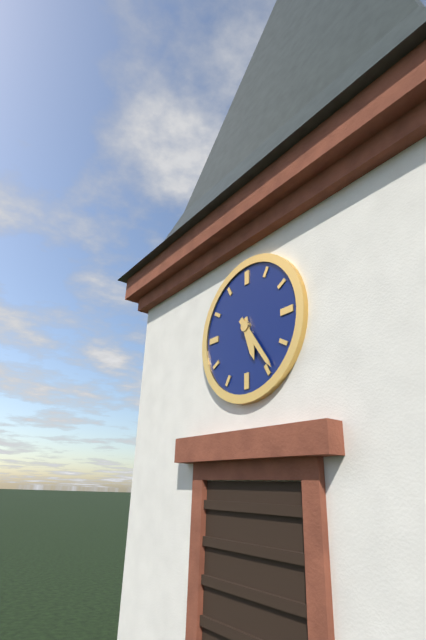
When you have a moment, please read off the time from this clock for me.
5:24
